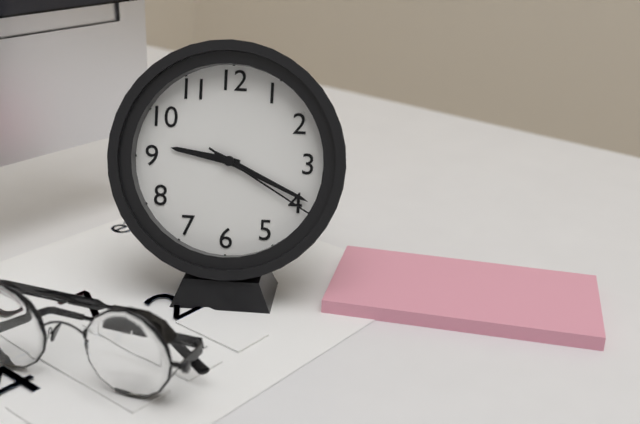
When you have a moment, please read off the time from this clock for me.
9:19:20
